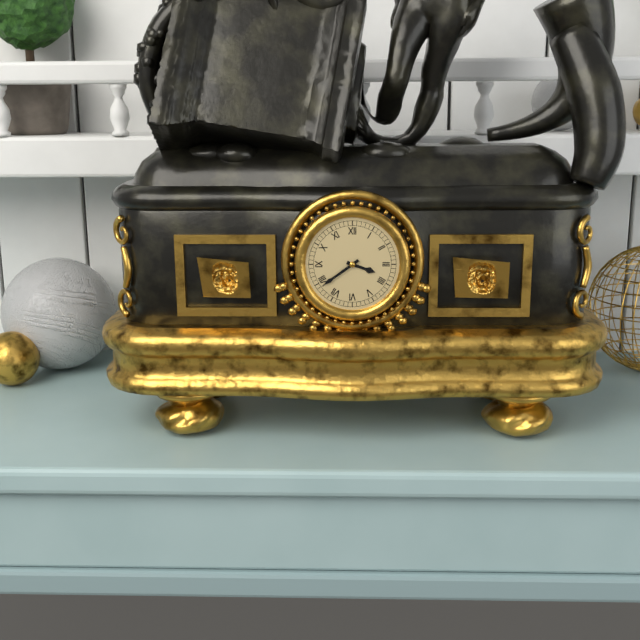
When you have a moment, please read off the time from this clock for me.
3:39
